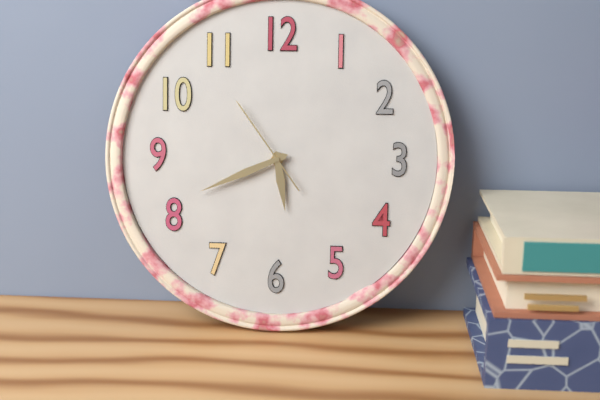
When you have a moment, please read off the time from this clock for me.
5:41:54
